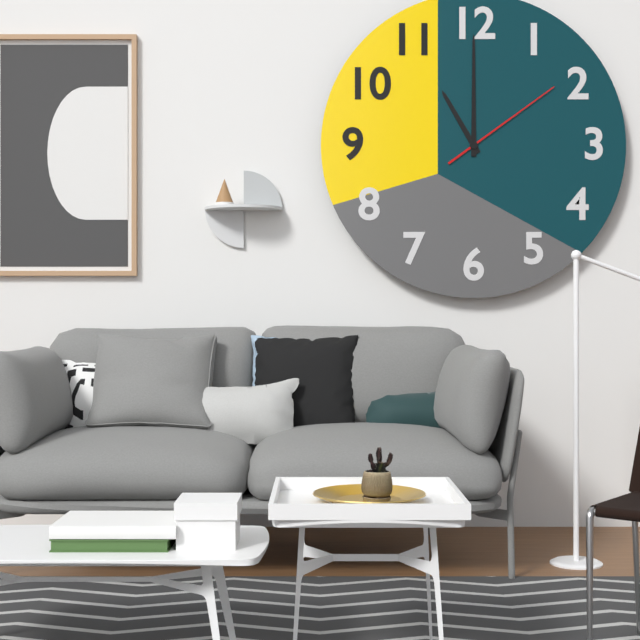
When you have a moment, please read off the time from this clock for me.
11:00:09
